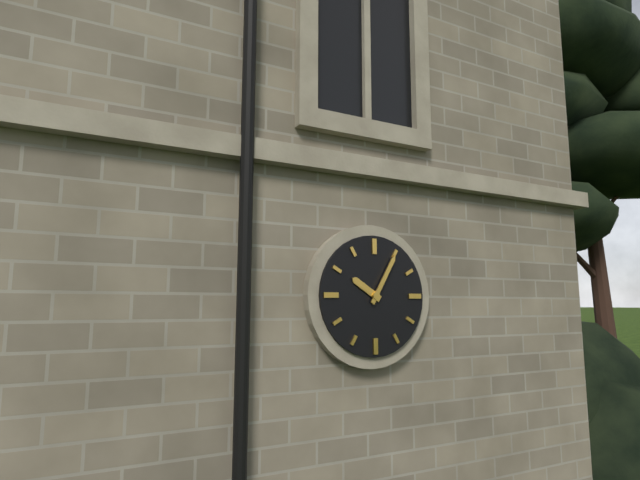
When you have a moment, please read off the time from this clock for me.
10:05
